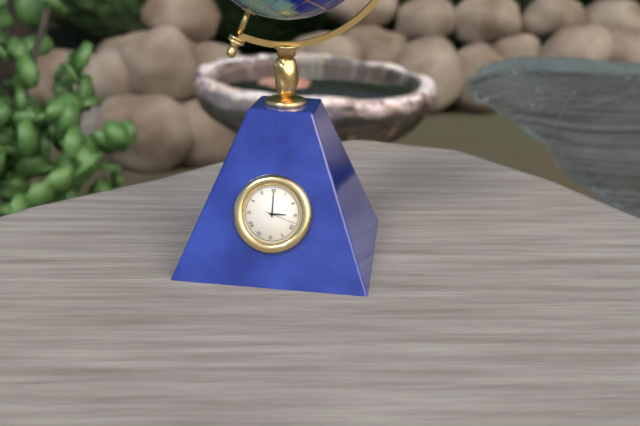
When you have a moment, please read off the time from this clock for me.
3:00
